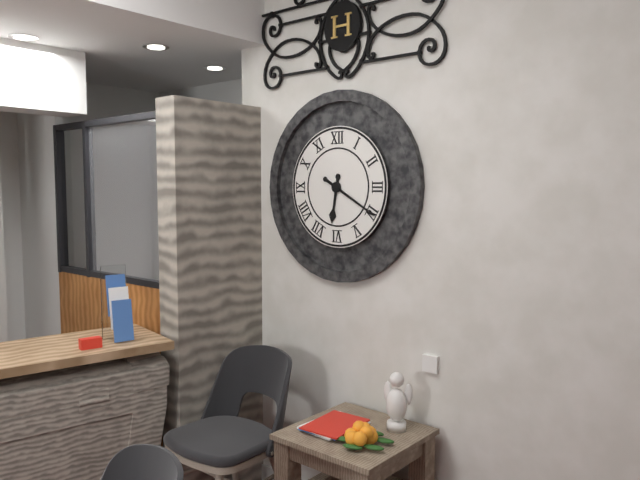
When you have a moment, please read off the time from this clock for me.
6:20
